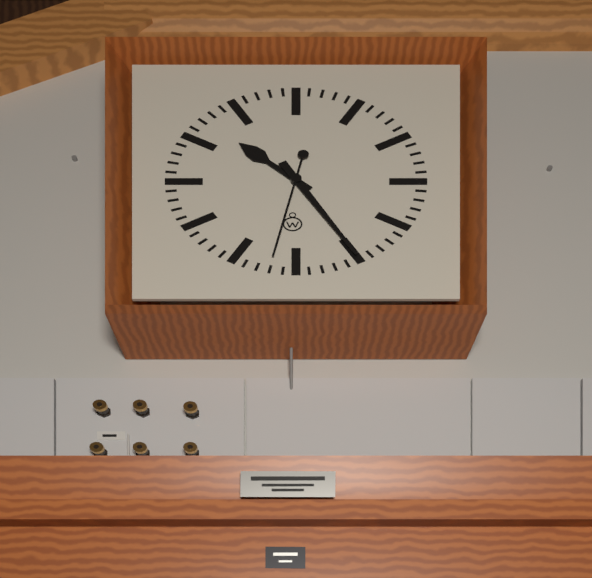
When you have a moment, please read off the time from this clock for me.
10:25
